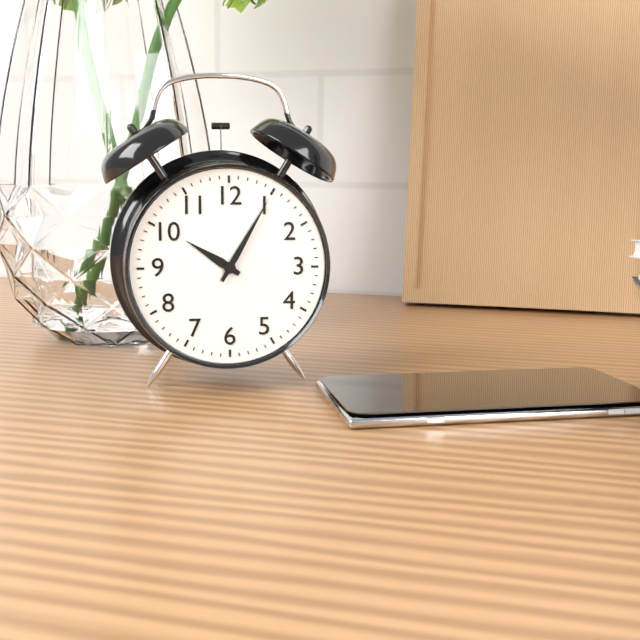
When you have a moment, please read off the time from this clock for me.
10:05
